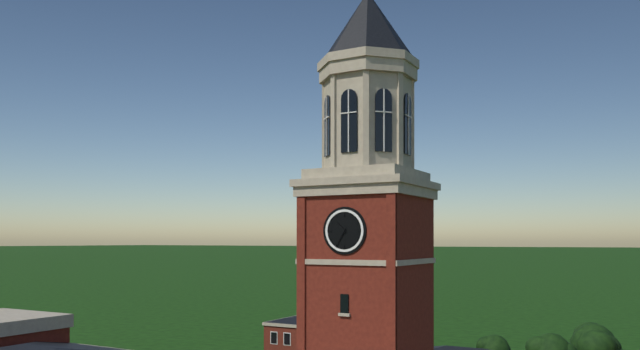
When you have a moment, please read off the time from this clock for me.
10:35
